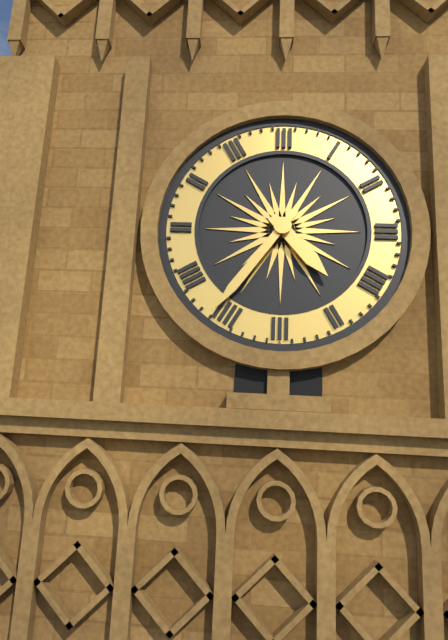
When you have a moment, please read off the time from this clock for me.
4:36
